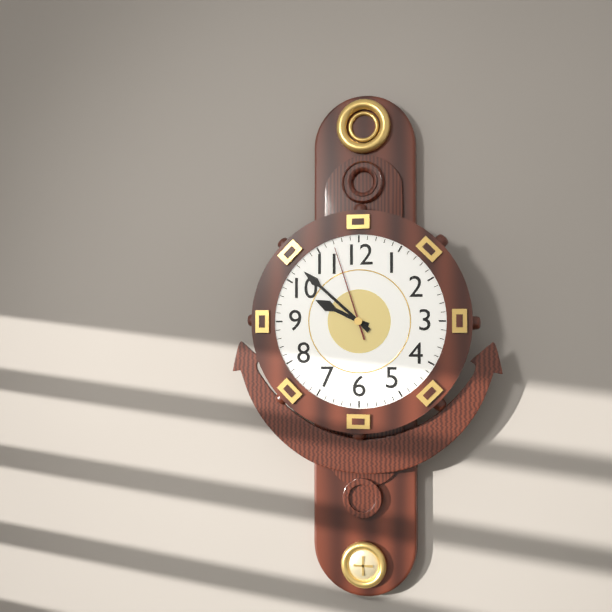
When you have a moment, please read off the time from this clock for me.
9:52:57
